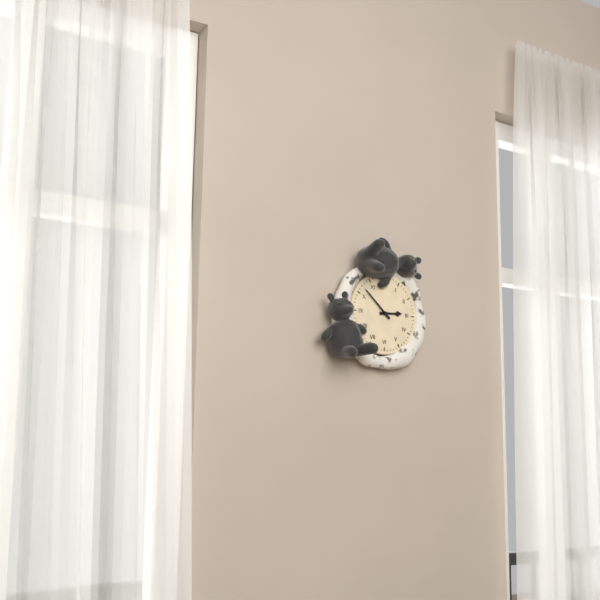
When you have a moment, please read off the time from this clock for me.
2:52
